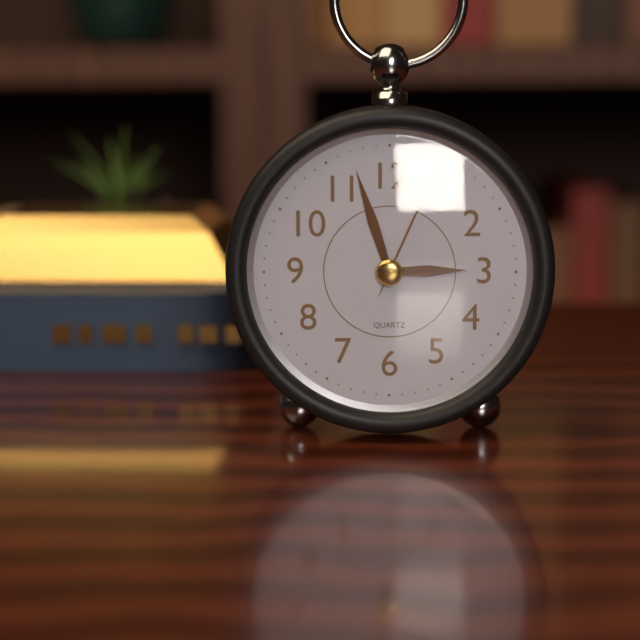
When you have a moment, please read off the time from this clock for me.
2:57:04
